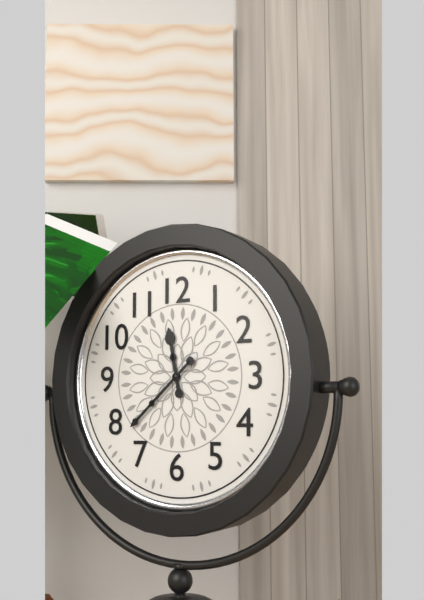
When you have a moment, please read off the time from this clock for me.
11:38
